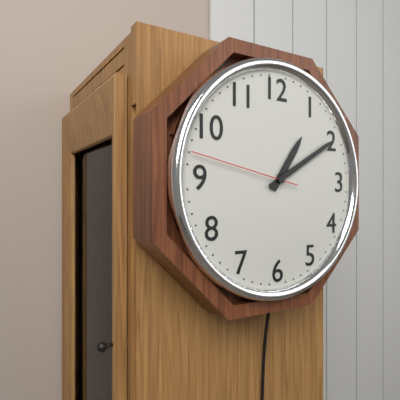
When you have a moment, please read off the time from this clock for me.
1:10:47
